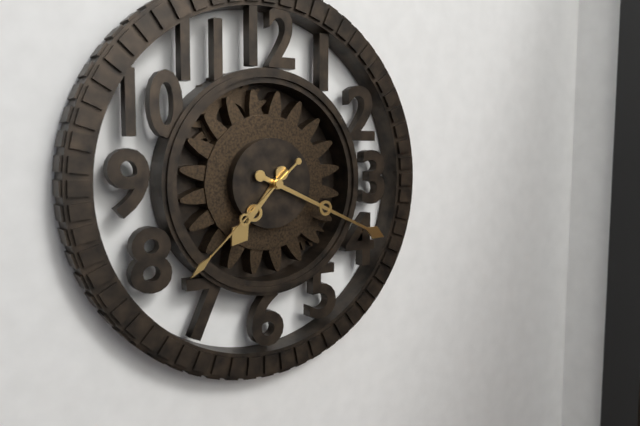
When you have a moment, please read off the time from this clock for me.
7:19:38
